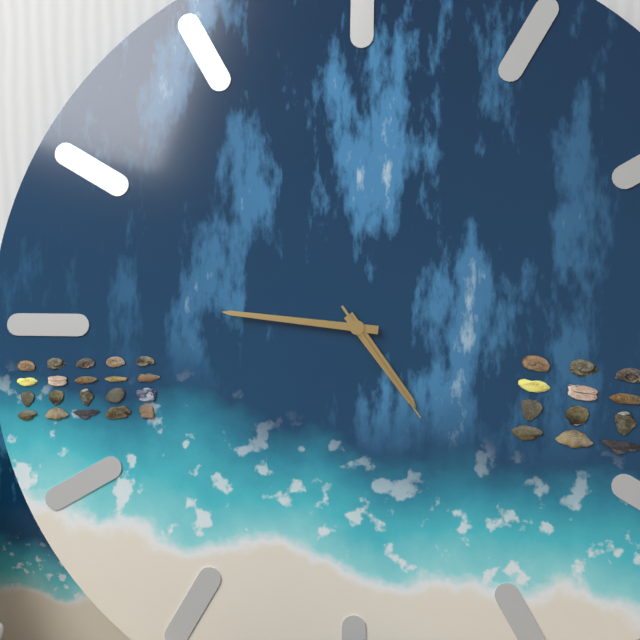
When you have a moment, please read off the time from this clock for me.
4:46:24
